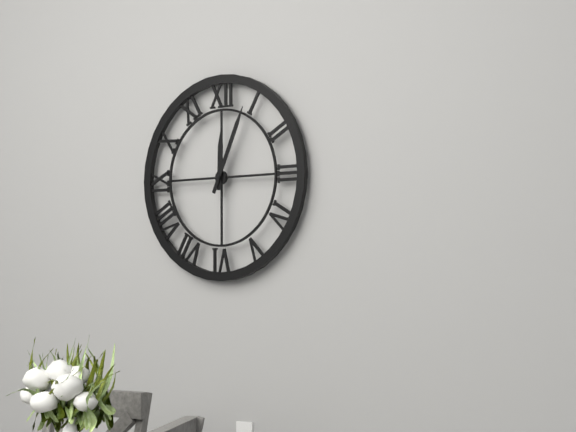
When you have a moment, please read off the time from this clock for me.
12:04
